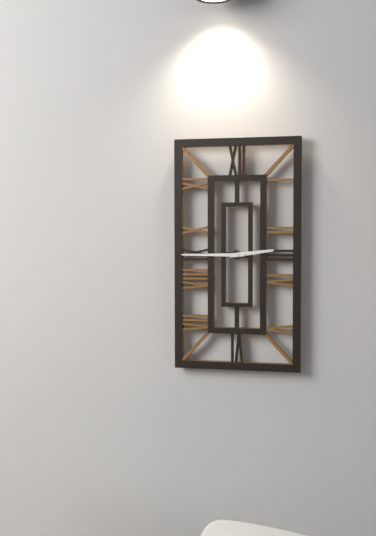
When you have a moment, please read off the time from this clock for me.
2:45
